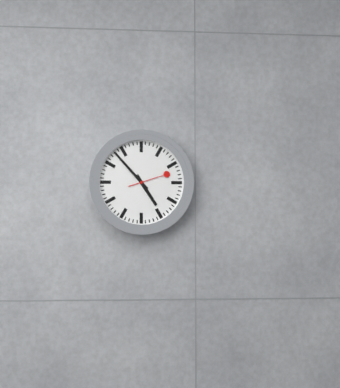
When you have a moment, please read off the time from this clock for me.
4:53
